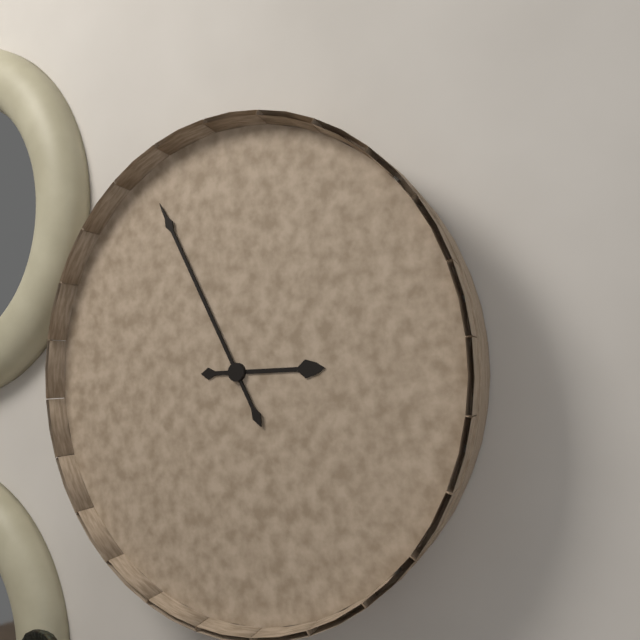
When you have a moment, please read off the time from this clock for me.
2:55
